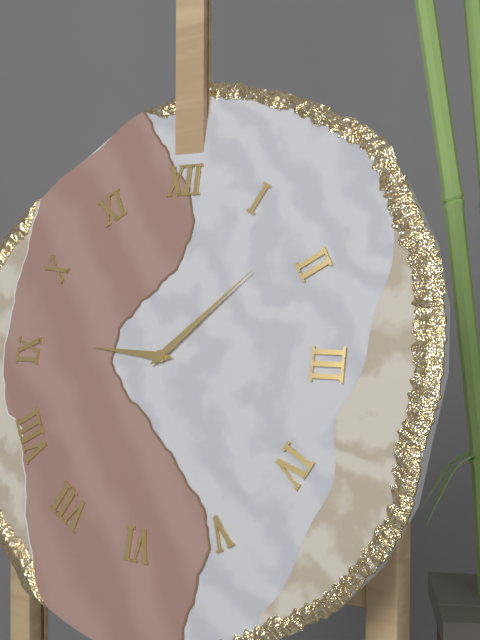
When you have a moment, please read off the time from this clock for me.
9:08
